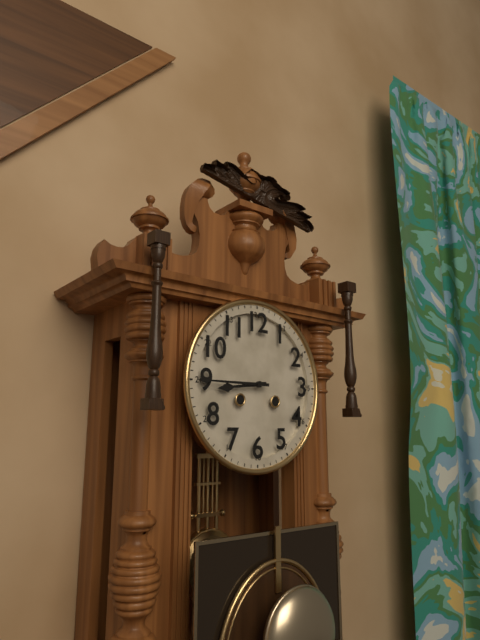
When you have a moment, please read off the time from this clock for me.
8:45
